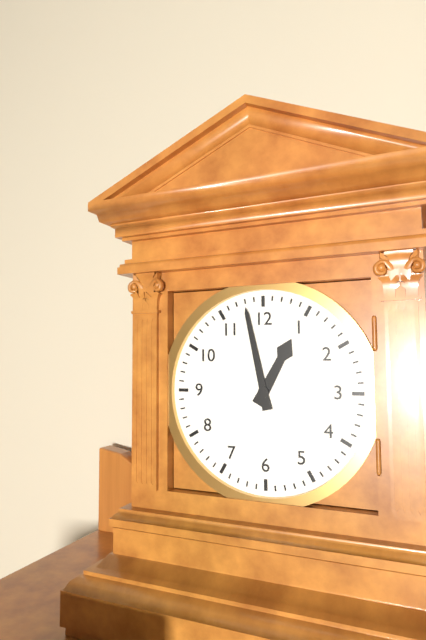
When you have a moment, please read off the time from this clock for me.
12:58
